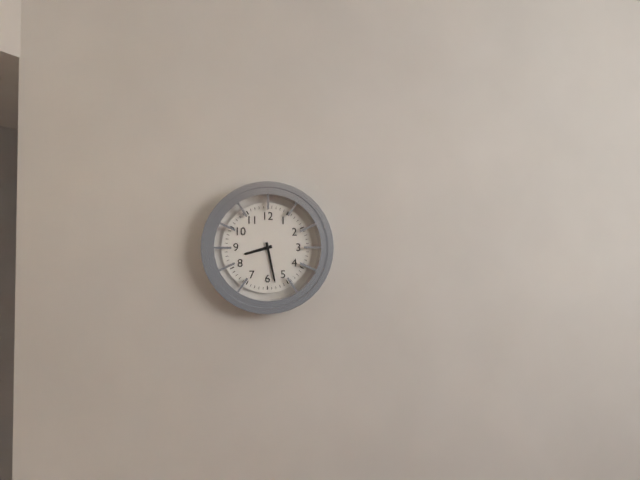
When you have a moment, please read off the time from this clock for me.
8:28
